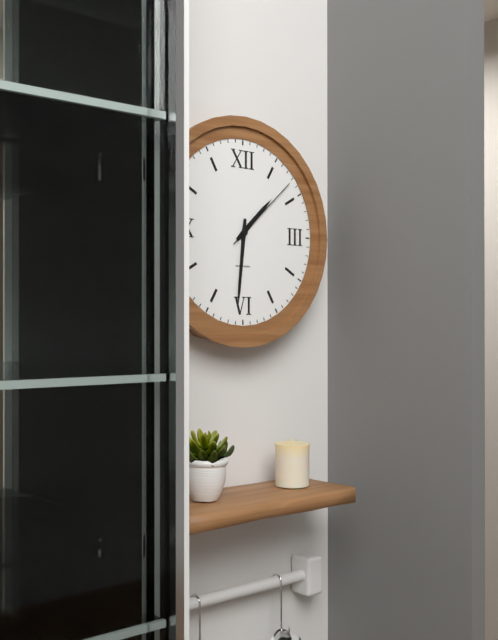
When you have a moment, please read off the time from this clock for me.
1:31:08
